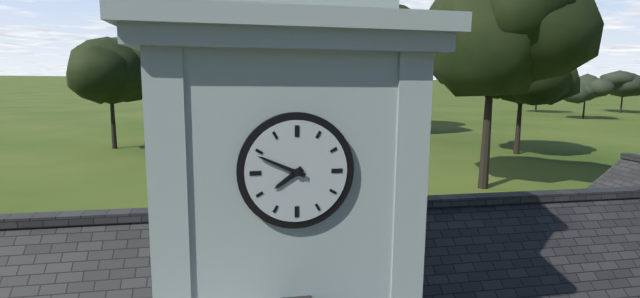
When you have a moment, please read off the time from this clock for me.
7:49
